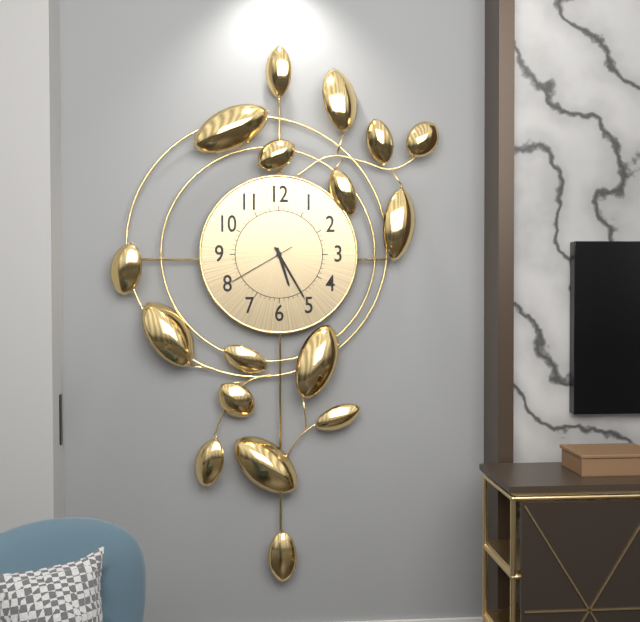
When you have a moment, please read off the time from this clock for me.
5:25:40
